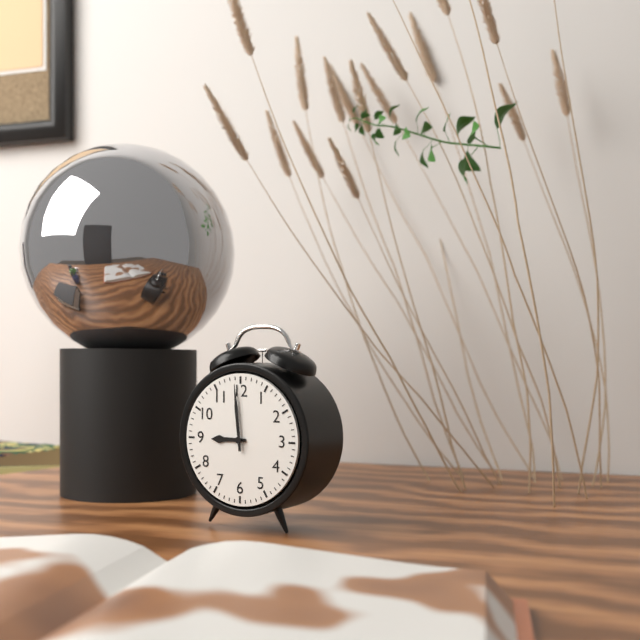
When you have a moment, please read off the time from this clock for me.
8:59
